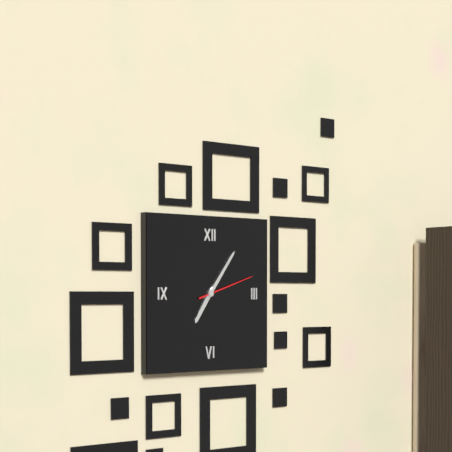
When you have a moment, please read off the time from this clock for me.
7:06:12
